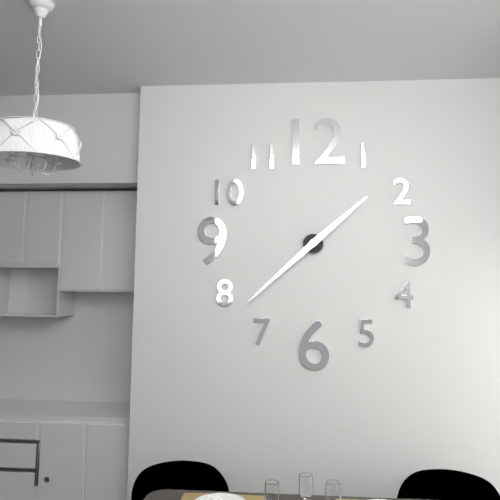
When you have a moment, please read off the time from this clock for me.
1:38
